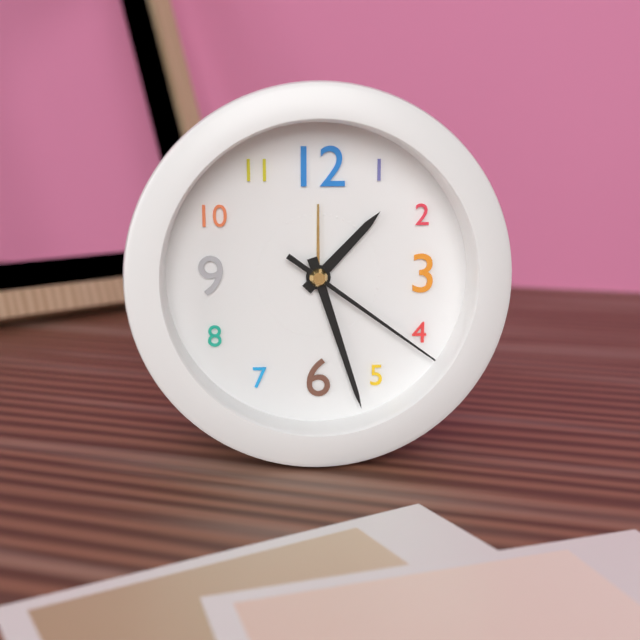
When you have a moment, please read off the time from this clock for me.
1:27:21
